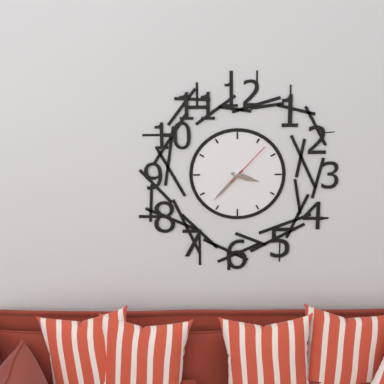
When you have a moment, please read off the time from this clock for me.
3:37
